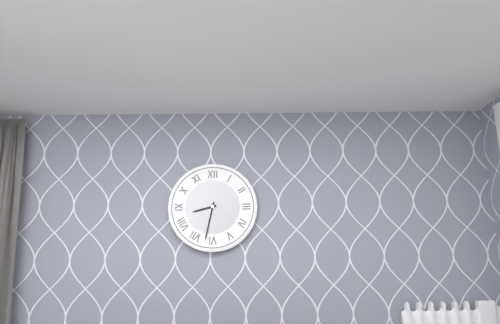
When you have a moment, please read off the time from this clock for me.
8:32
